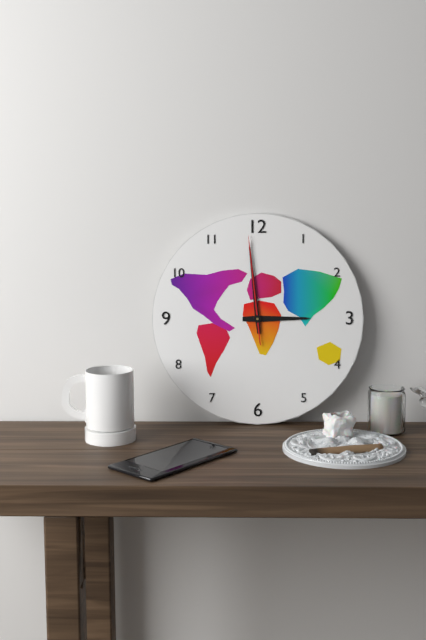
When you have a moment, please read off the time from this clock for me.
2:59:59
